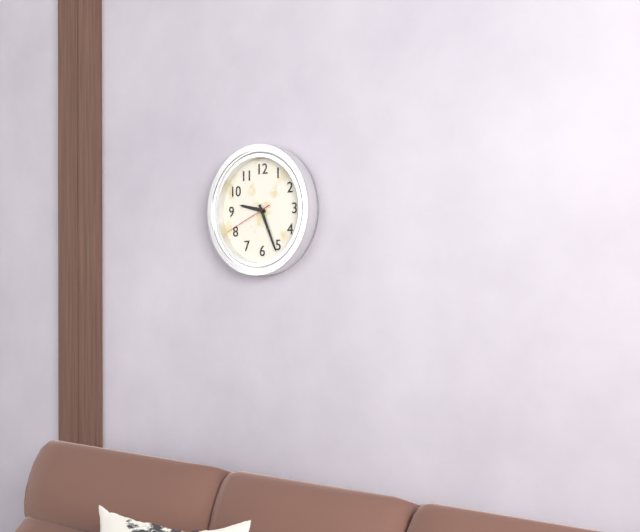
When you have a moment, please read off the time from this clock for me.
9:26:41
